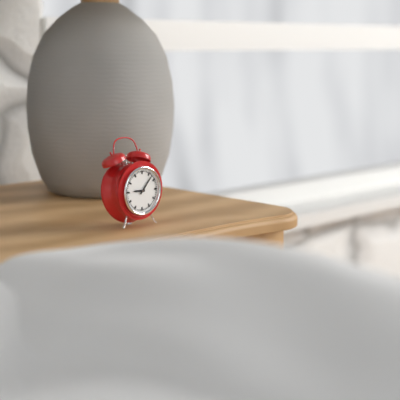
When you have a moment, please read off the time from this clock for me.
9:07
